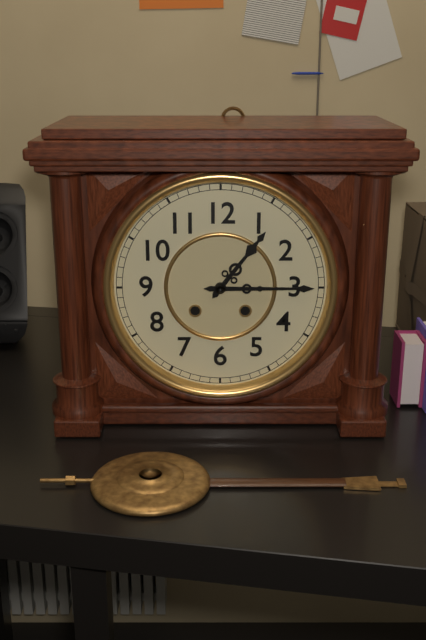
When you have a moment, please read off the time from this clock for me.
1:15
